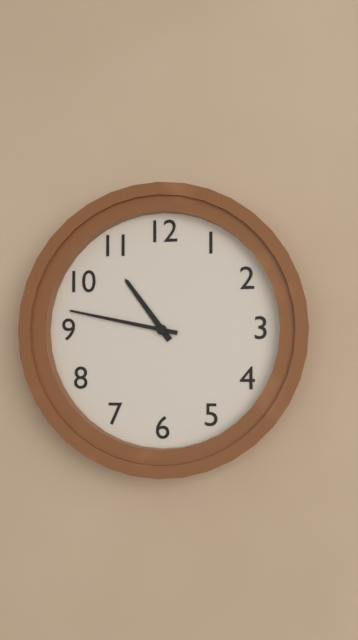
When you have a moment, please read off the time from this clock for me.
10:47
